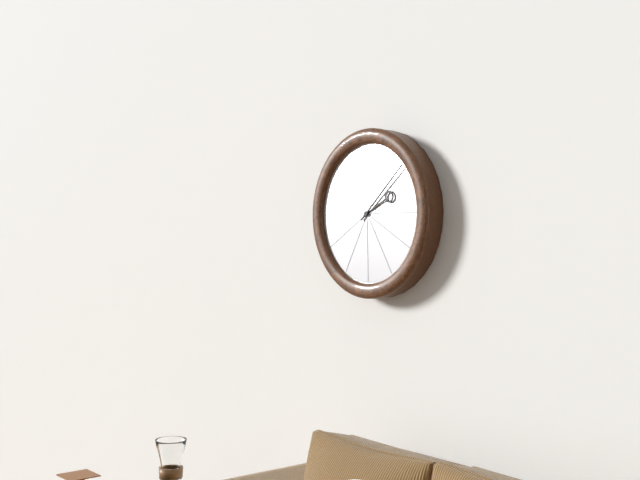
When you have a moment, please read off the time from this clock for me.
2:08
